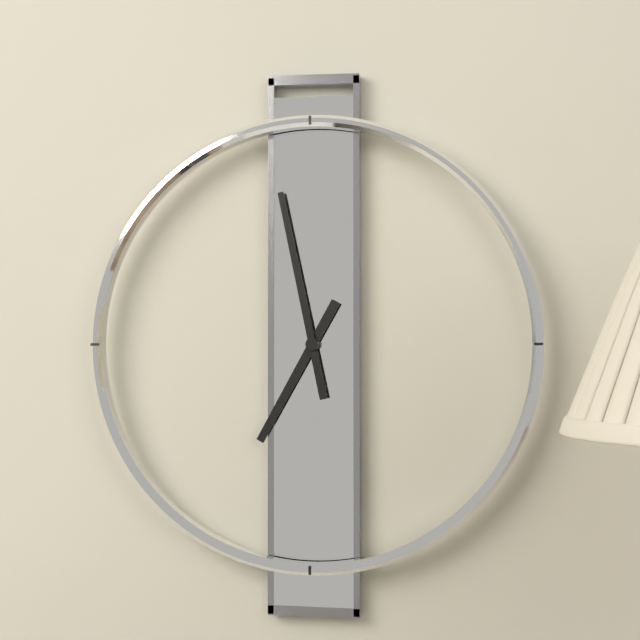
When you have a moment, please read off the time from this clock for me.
6:58
